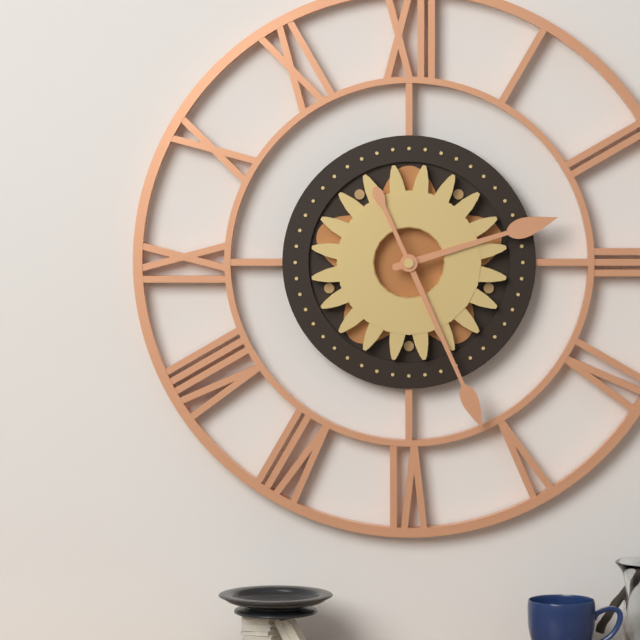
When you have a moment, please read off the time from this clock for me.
2:26
